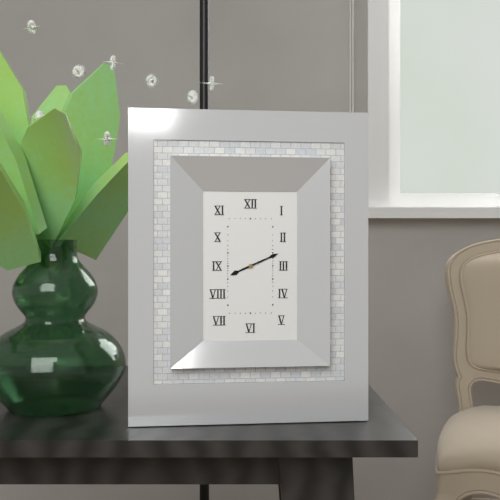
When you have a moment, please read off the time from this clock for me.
8:11
